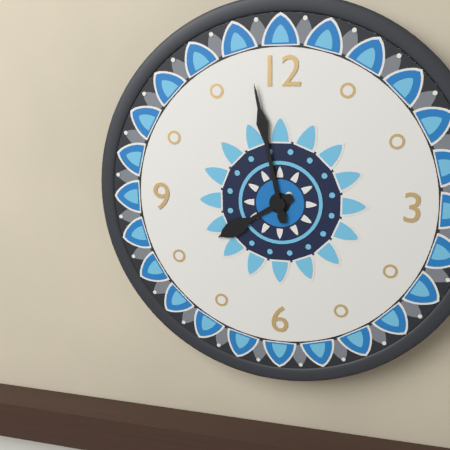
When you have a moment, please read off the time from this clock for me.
7:58
